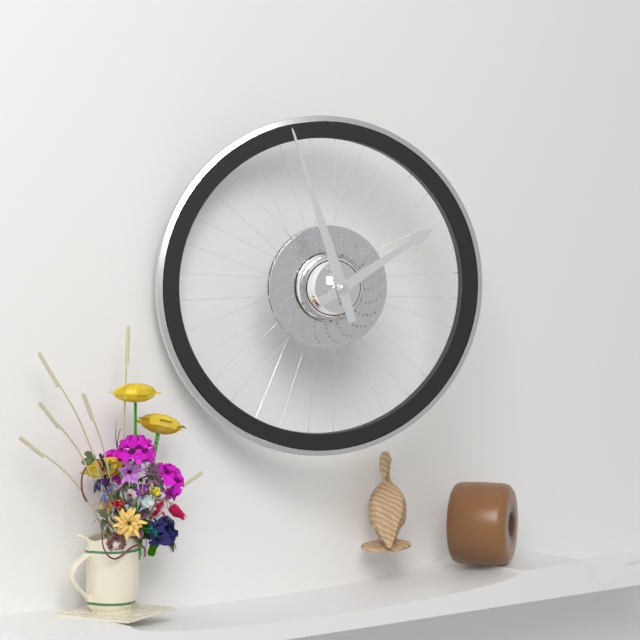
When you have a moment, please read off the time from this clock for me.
1:57
